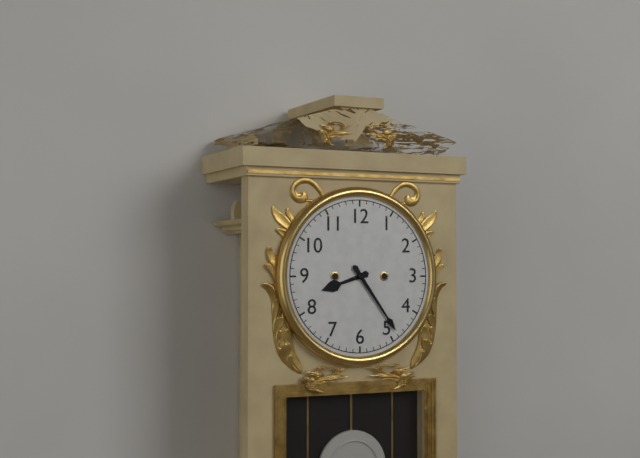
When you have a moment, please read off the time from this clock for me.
8:24
